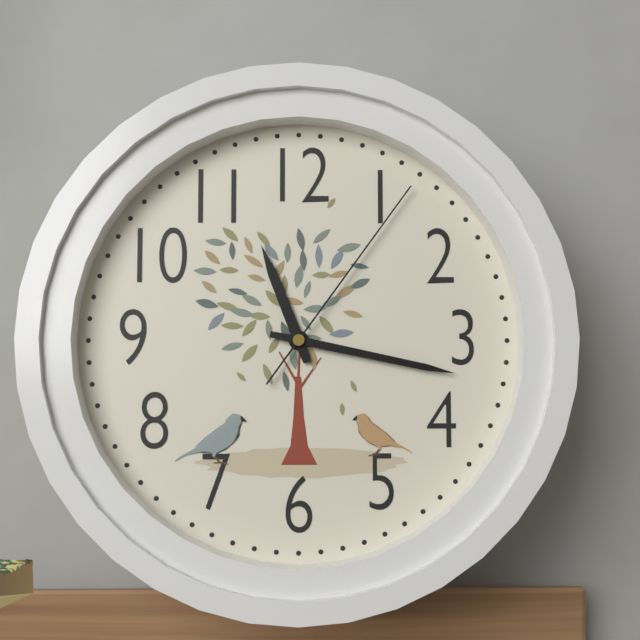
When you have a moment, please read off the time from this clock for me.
11:17:06
